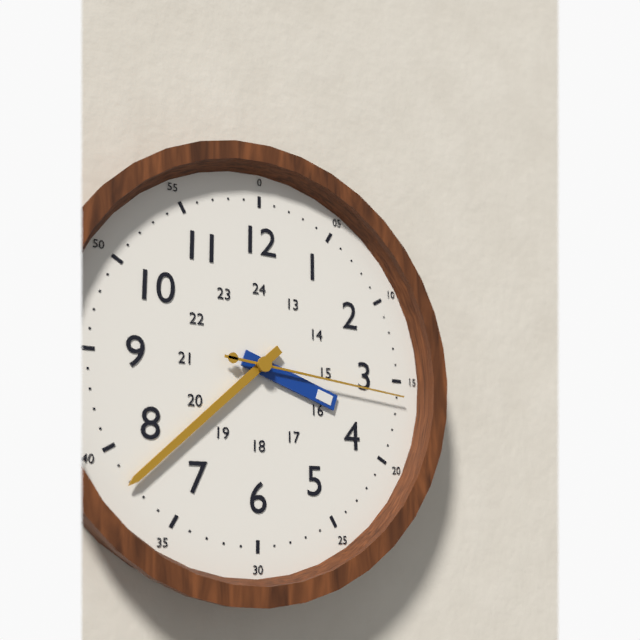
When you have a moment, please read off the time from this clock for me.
3:38:16
